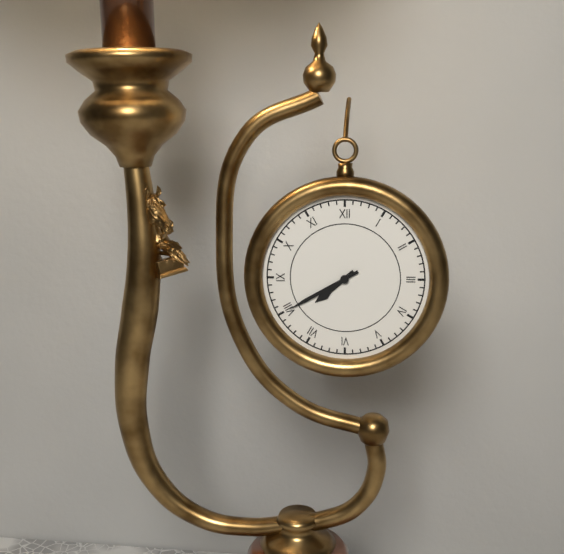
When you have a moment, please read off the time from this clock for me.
7:40
